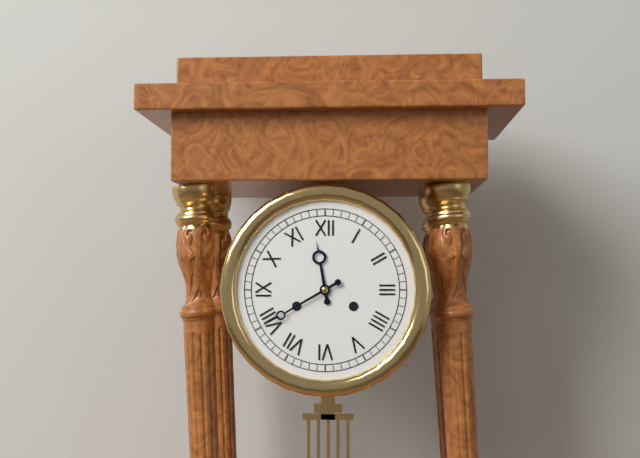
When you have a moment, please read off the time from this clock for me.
11:40
